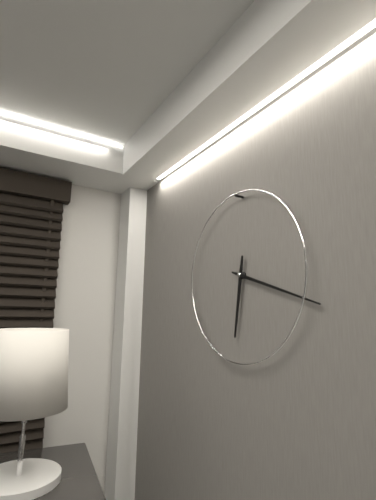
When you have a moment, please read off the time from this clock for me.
6:18
